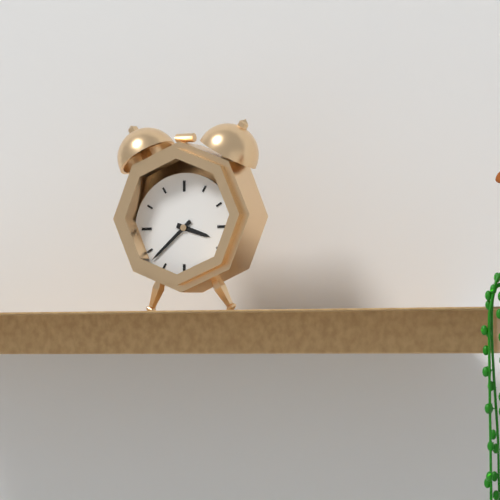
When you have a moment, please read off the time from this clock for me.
3:38
